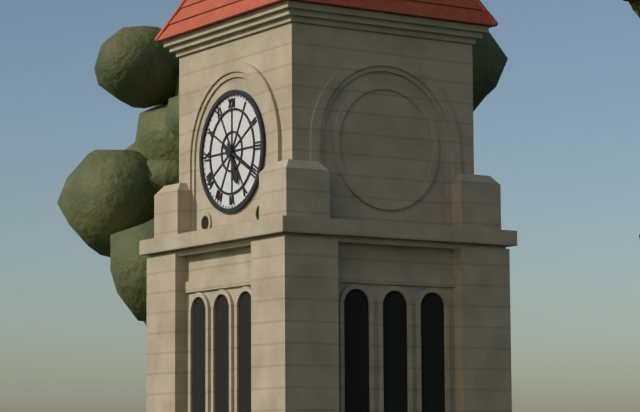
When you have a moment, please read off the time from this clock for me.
5:20
